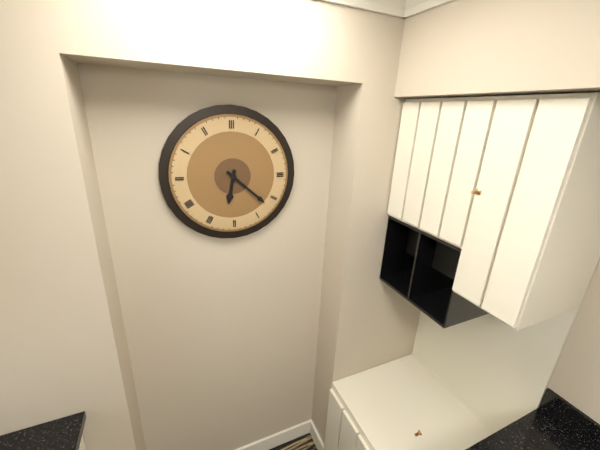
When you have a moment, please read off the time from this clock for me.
6:22
